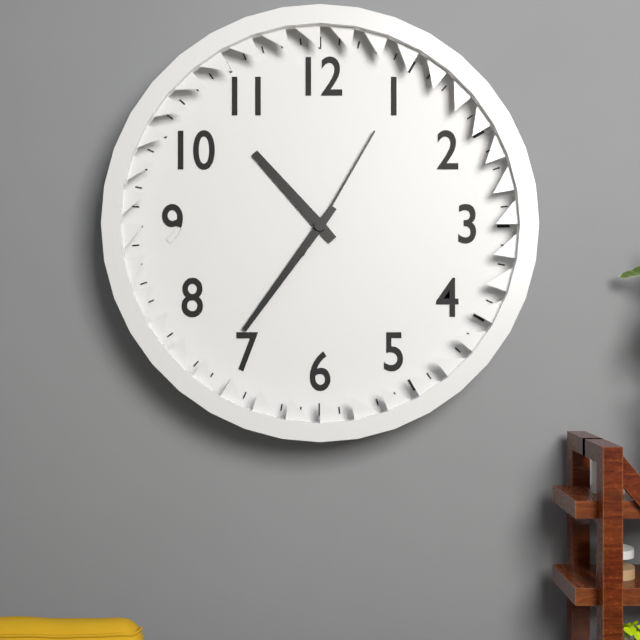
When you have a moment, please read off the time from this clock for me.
10:36:05
